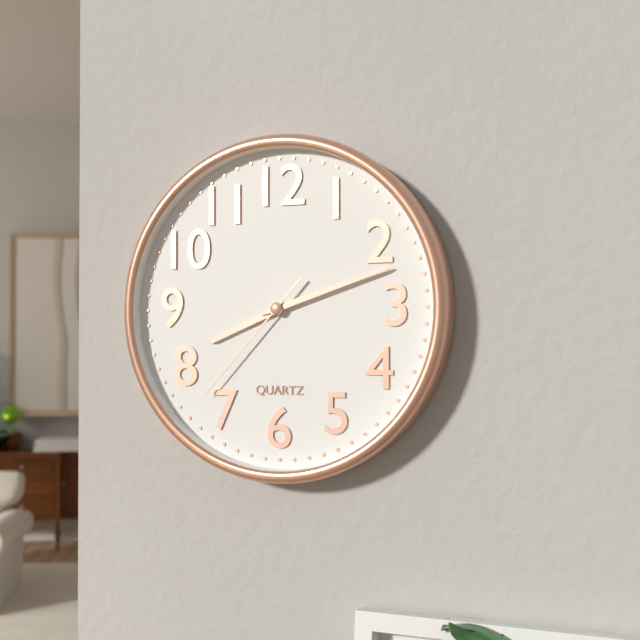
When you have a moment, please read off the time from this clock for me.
8:12:37
